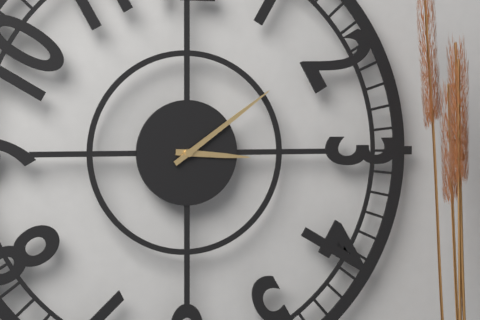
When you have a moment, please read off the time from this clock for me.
3:09
